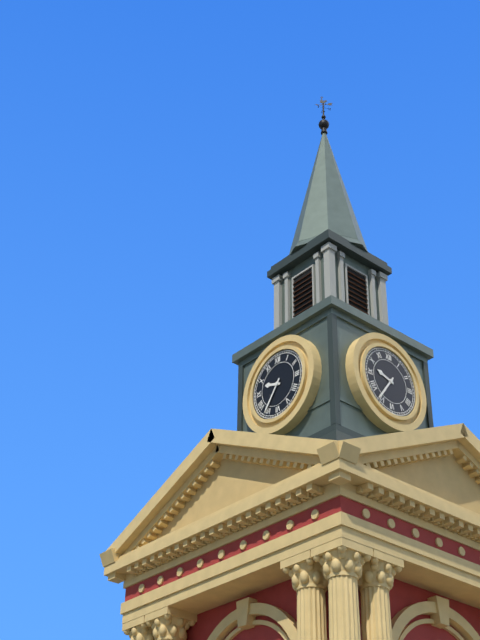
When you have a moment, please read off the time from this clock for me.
9:36
